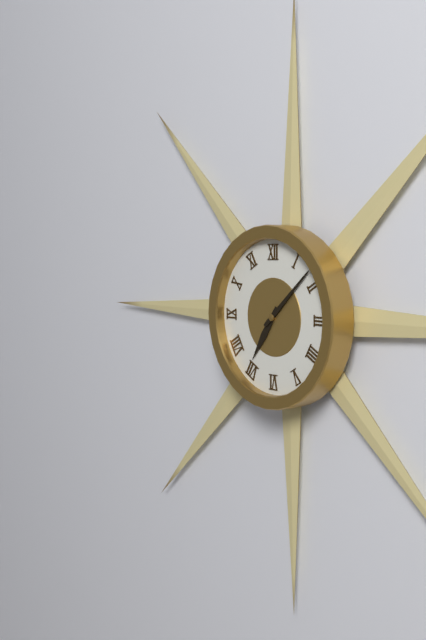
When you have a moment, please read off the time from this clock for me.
7:08
